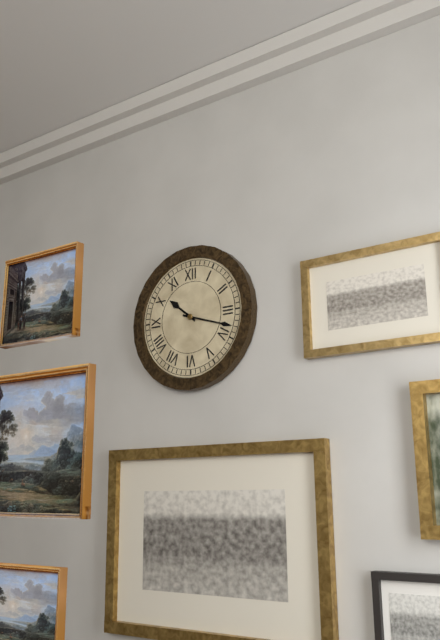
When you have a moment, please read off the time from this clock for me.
10:18
